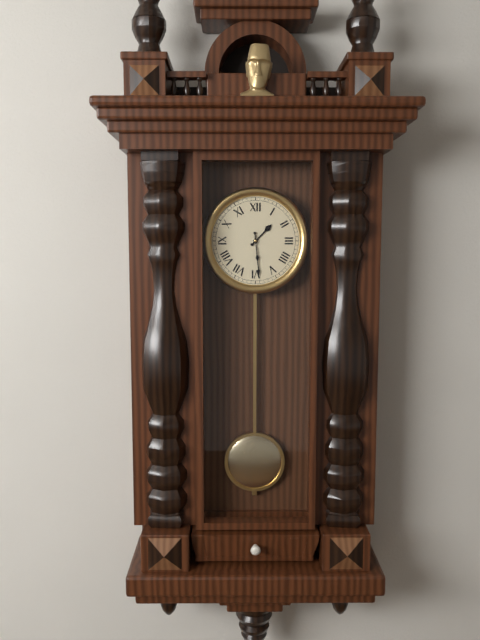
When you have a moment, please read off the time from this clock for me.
1:29
